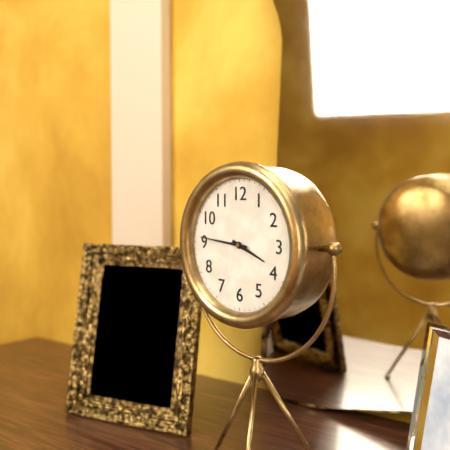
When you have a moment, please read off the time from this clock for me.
3:46
